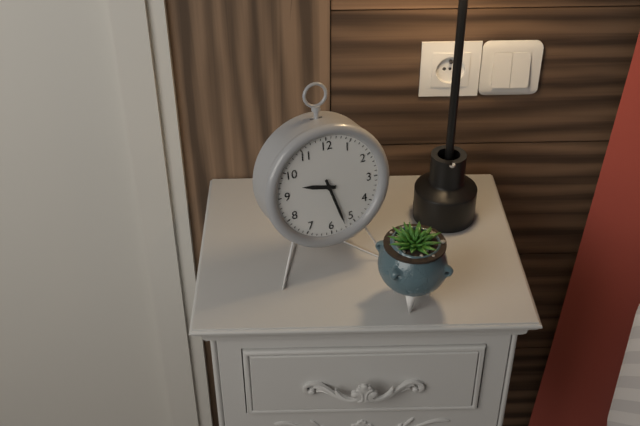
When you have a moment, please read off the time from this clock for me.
9:27
